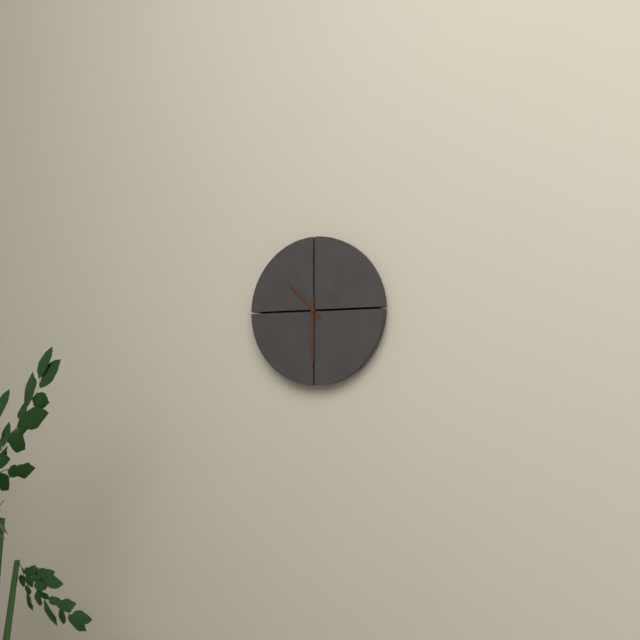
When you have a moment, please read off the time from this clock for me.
10:30
